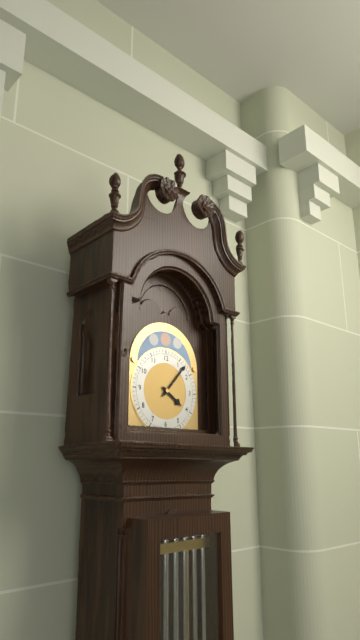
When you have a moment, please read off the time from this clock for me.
4:07
